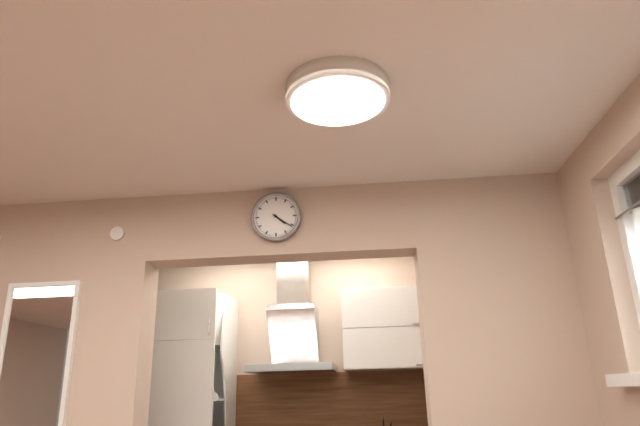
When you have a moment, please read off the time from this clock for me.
4:21
